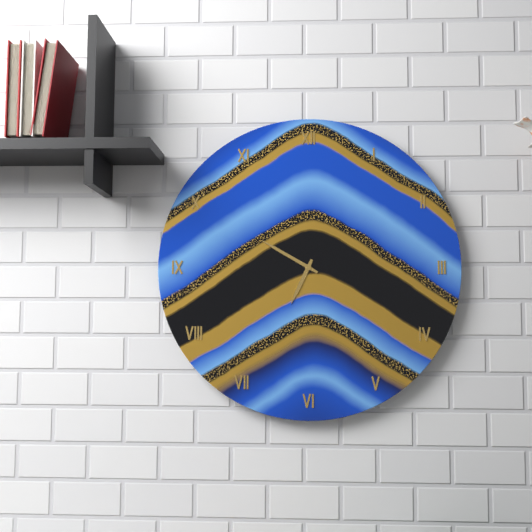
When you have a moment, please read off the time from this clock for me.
6:50
